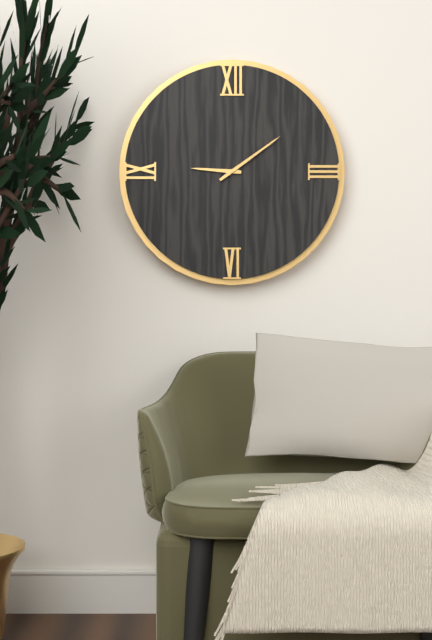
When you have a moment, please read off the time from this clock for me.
9:09
